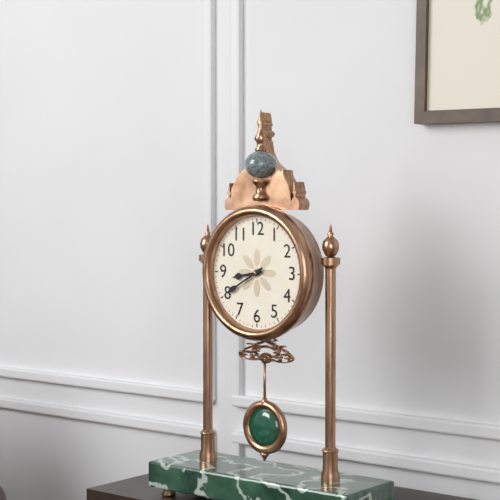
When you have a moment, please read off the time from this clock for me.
8:40
